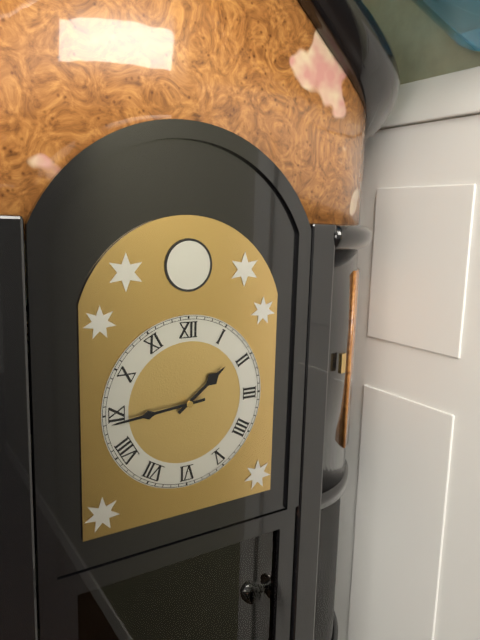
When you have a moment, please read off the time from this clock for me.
1:44
